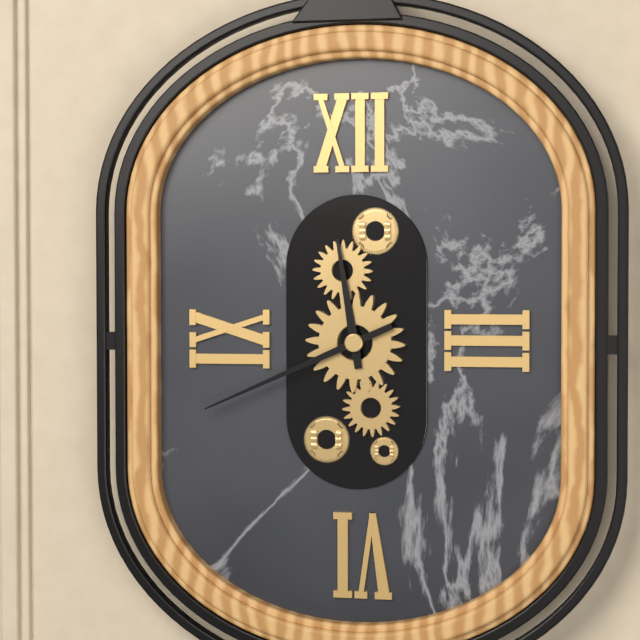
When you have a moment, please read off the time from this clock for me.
11:41
